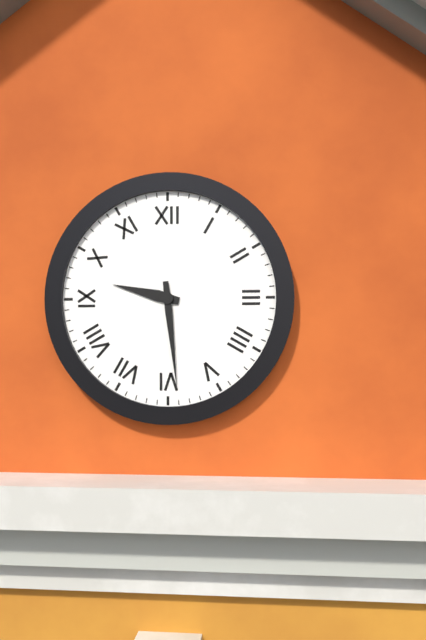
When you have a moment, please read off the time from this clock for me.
9:29
